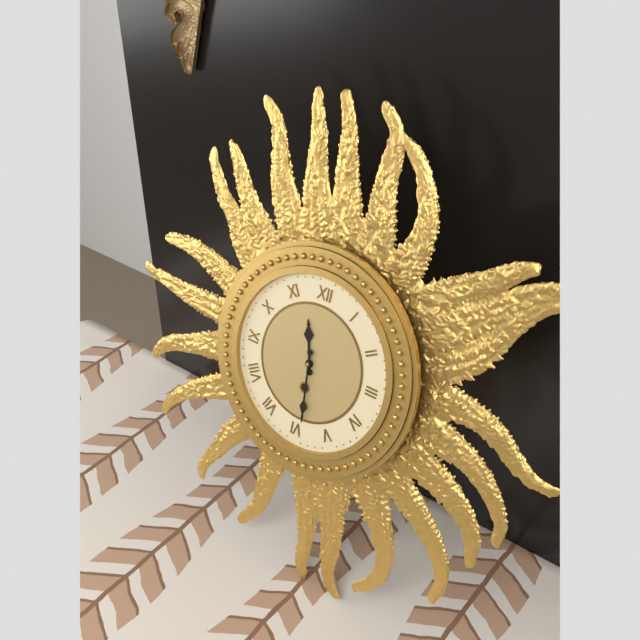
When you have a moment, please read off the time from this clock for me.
11:29
